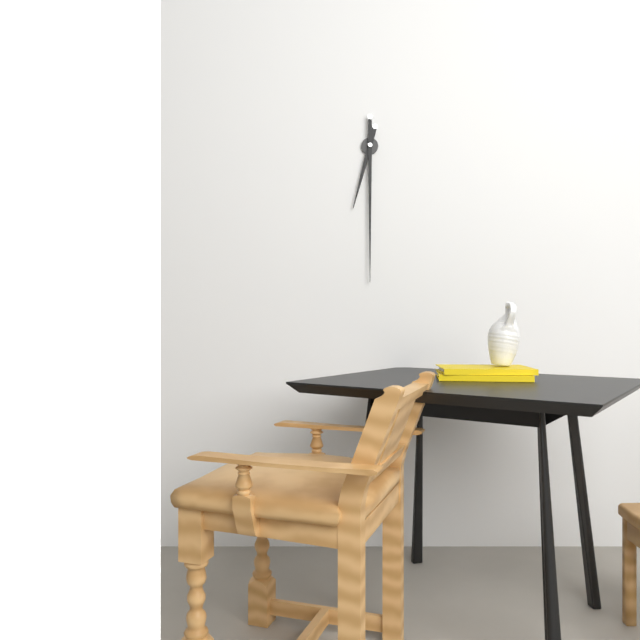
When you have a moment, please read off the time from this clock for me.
6:30
